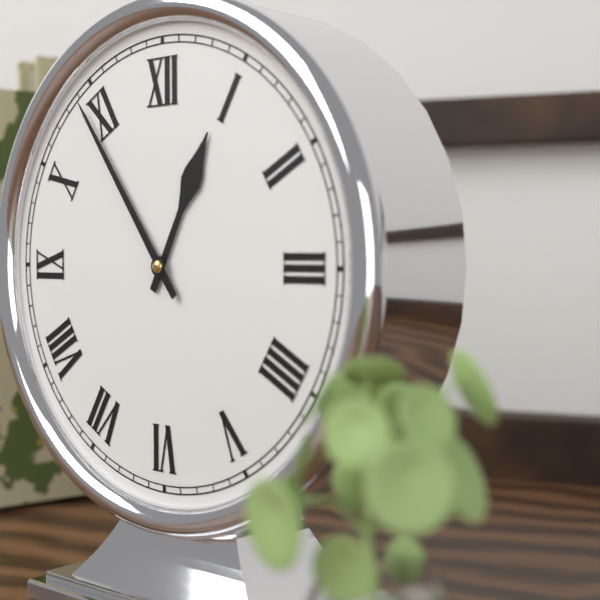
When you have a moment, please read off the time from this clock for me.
12:54
